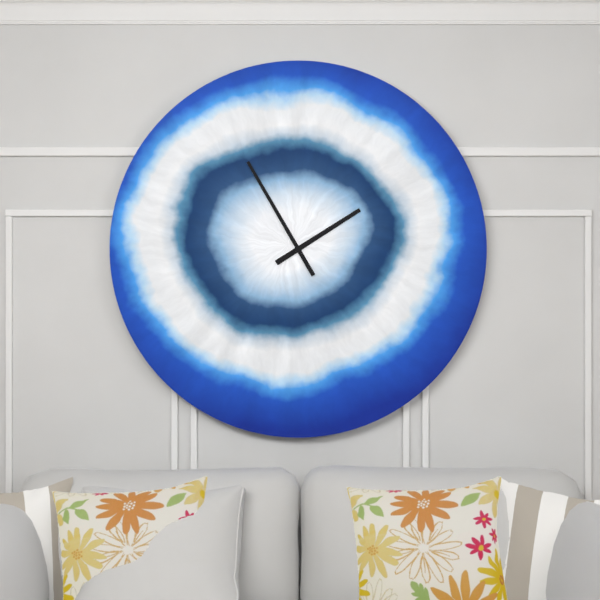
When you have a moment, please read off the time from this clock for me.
1:55
